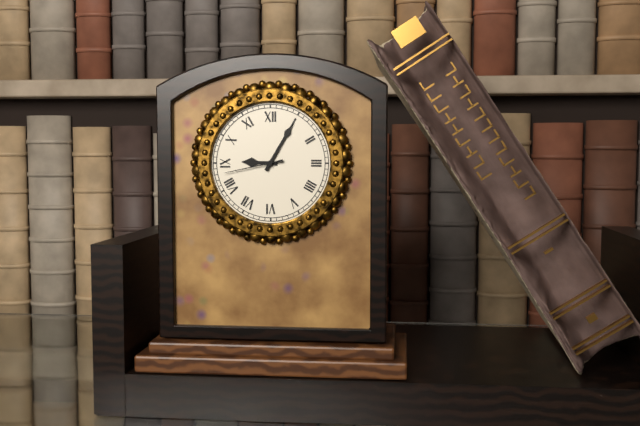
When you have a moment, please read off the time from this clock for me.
9:05:43
